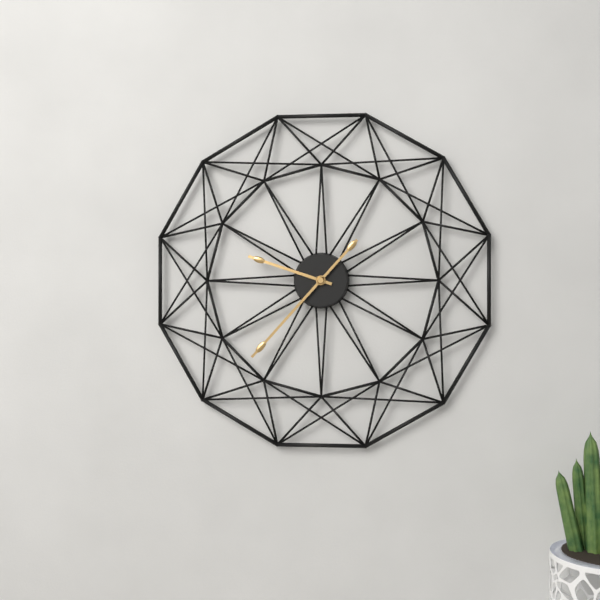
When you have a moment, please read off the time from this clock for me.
9:37
